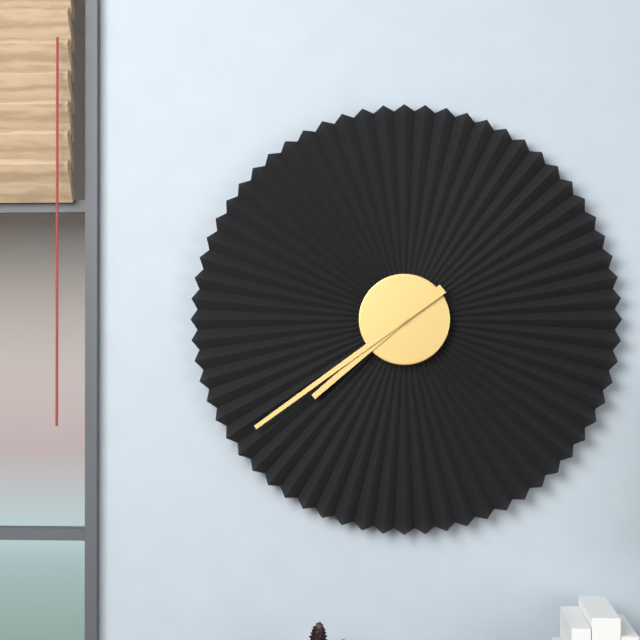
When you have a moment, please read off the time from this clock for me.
7:39
